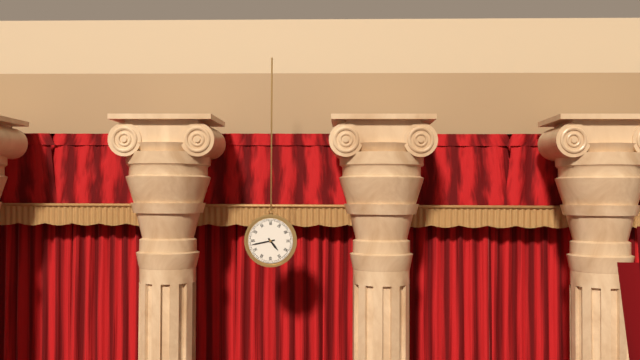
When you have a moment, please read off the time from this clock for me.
4:43
